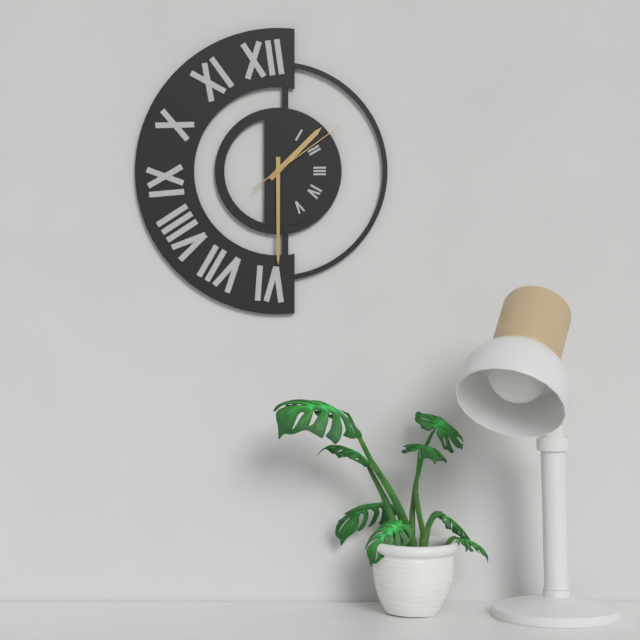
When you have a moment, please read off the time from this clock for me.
1:30:09
